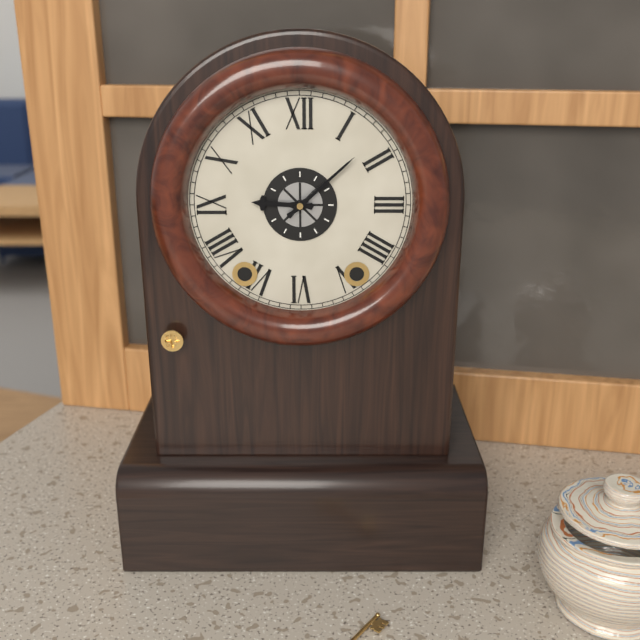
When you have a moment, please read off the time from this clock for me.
9:08
